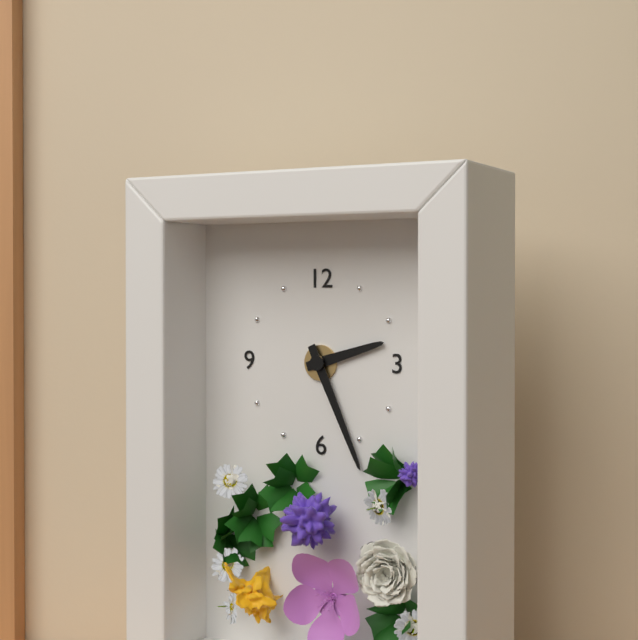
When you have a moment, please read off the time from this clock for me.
2:26
